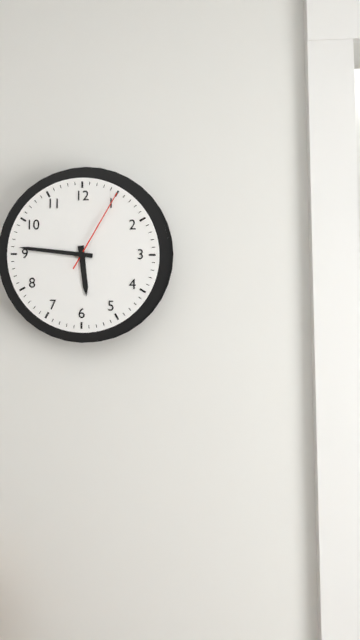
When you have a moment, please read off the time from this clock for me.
5:46:05
